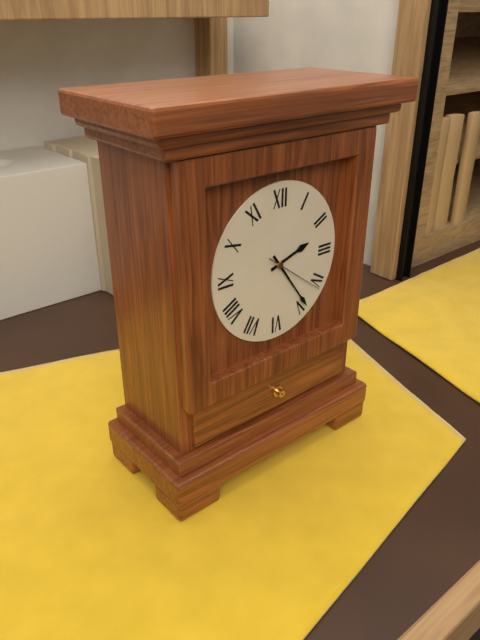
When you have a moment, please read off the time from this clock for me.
2:24:21
